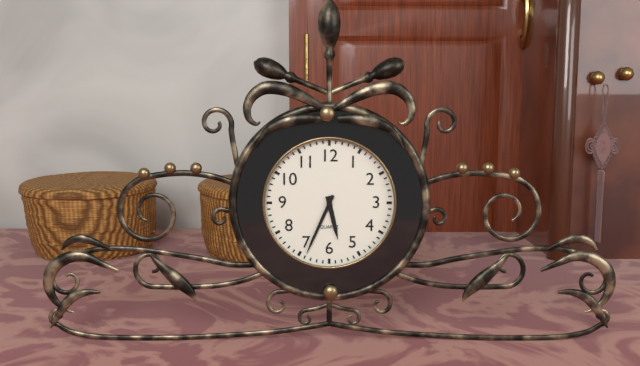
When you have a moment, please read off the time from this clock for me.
5:34
